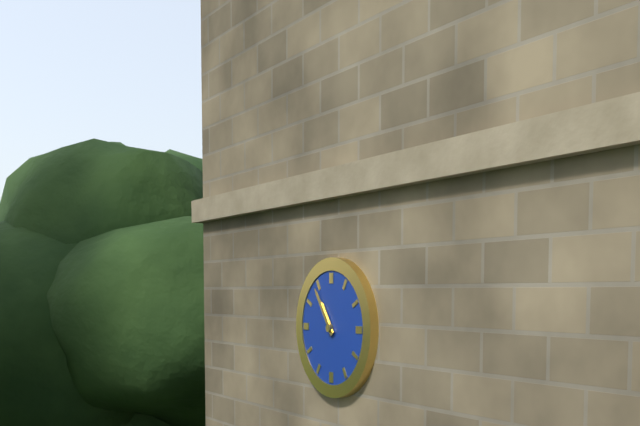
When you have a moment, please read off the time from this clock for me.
10:54
